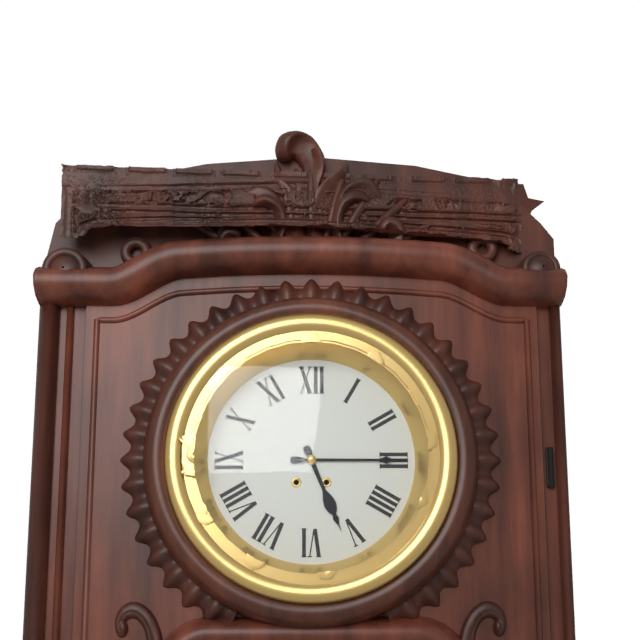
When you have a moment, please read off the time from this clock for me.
5:15
